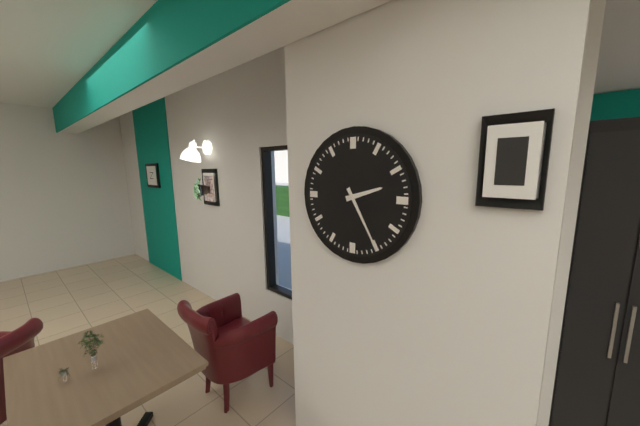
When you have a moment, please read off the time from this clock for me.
2:25
